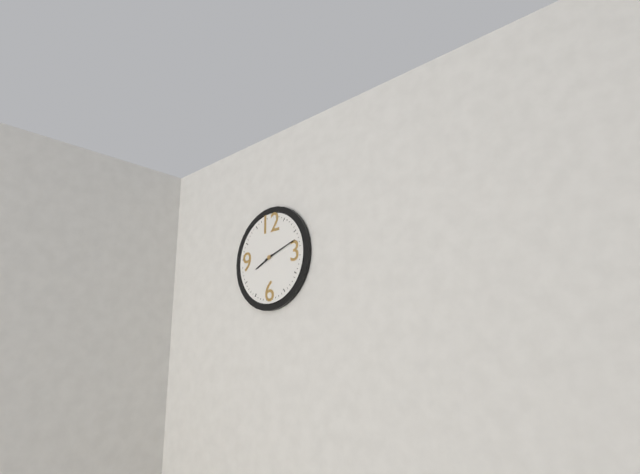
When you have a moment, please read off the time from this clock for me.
8:12
